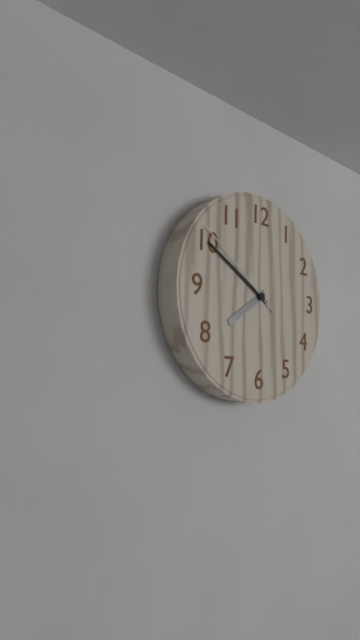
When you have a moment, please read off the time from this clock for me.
7:50:51
